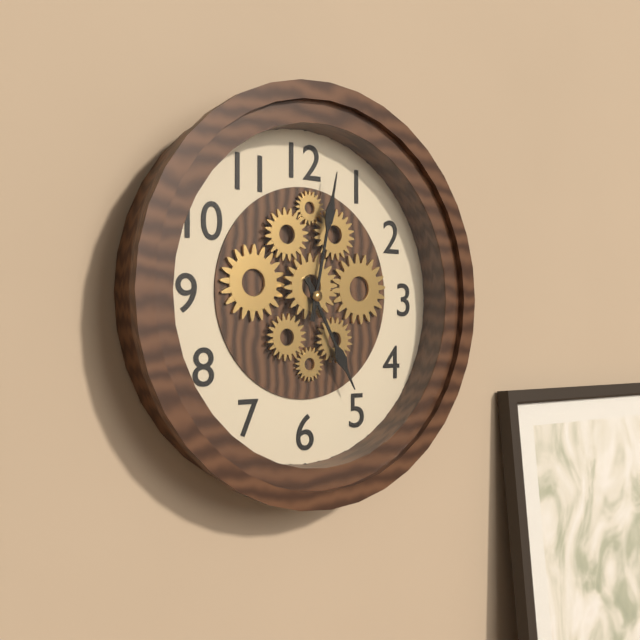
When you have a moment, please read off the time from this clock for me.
5:02
